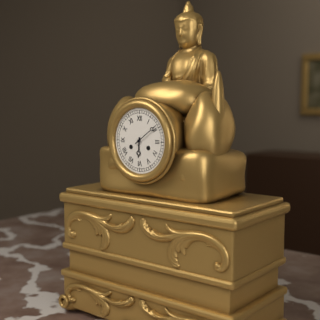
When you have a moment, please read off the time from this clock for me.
6:09
